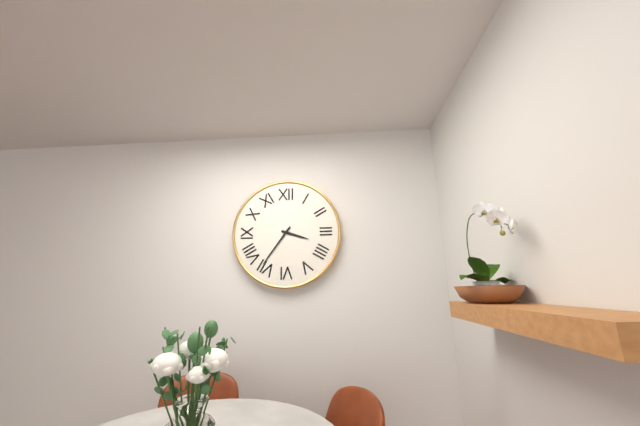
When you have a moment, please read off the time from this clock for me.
3:36
